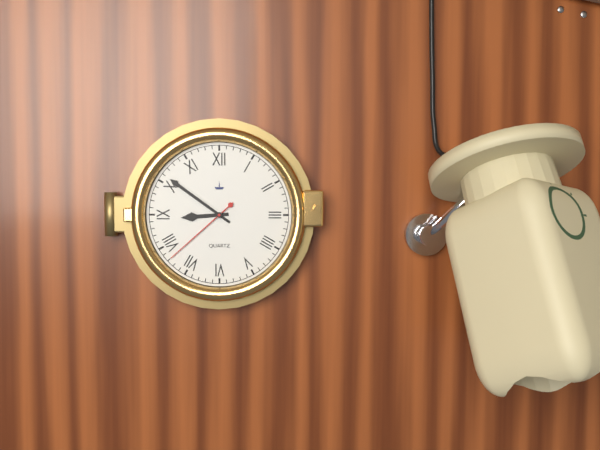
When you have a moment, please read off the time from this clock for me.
8:51:38
